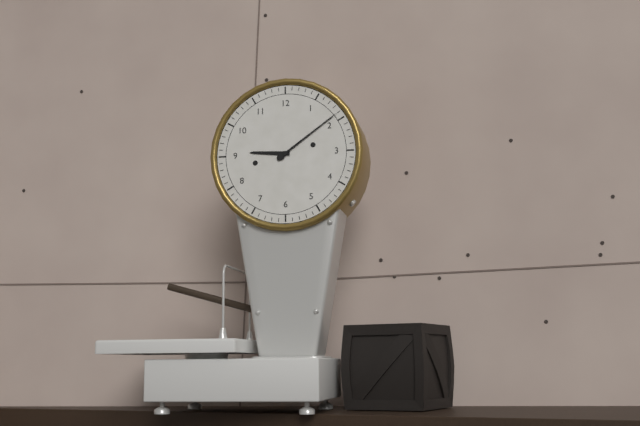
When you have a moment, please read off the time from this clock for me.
9:09
